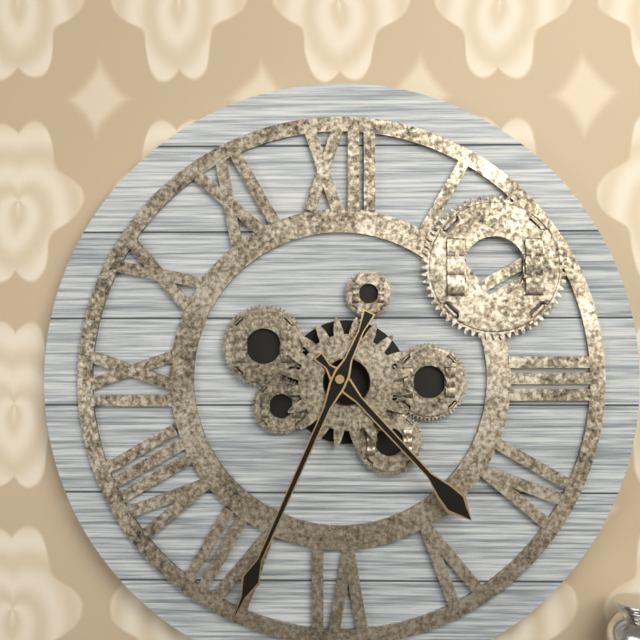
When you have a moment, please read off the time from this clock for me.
4:34
